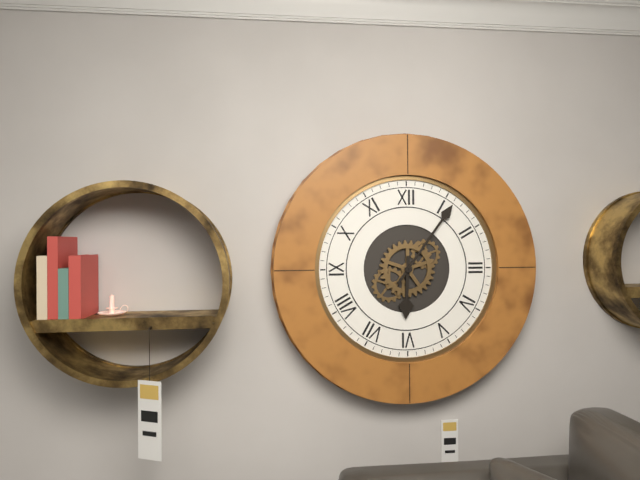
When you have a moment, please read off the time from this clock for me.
6:06
